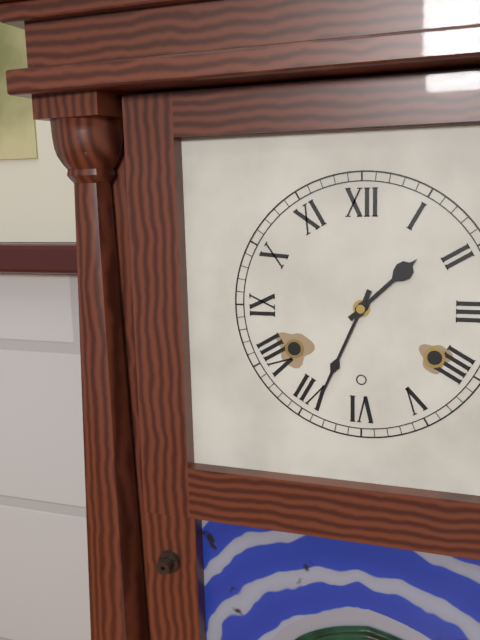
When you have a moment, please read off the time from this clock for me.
1:34
